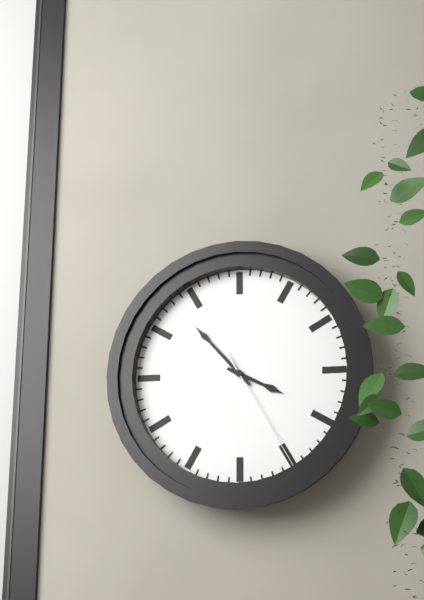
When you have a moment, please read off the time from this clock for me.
3:53:25
